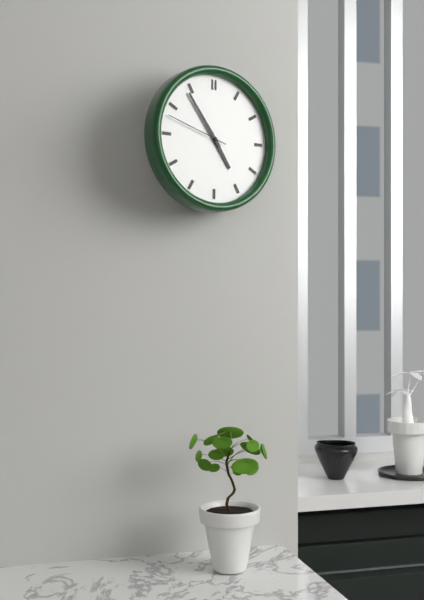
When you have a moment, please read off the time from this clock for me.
4:54:48
